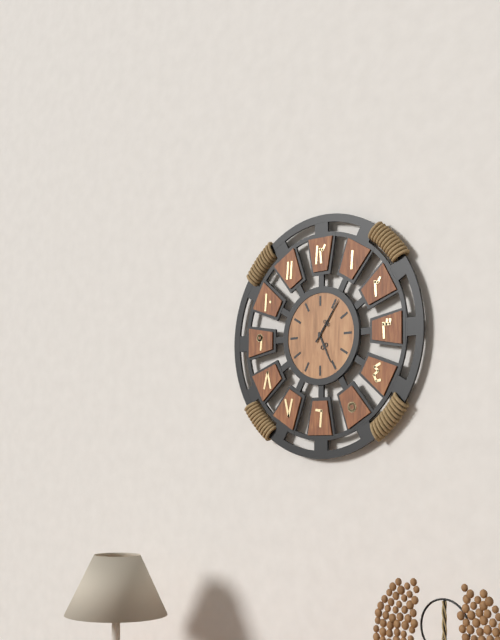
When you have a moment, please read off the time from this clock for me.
5:06
